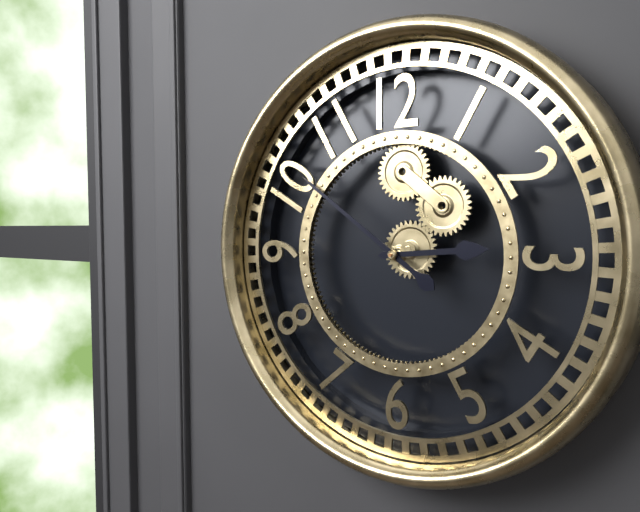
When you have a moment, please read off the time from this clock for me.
2:51
